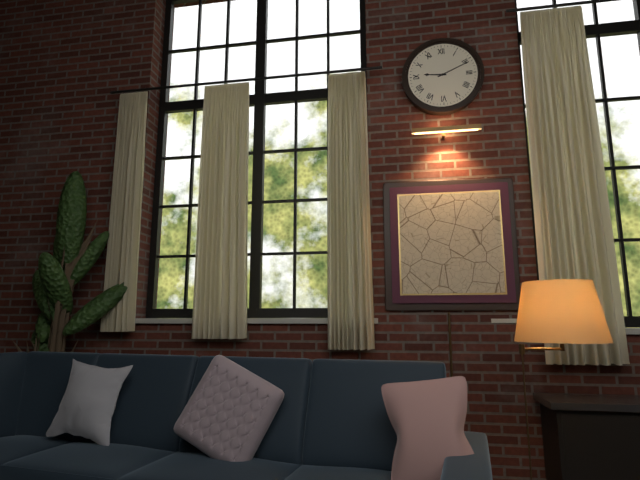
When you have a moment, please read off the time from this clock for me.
9:11
